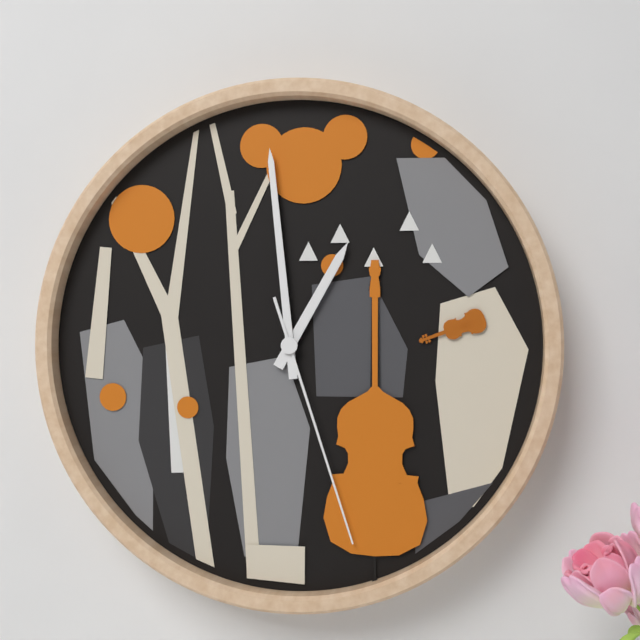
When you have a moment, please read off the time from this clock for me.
12:59:27
